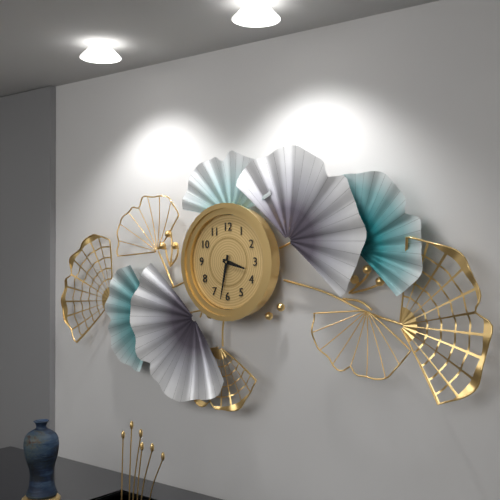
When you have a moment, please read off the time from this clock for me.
3:32
